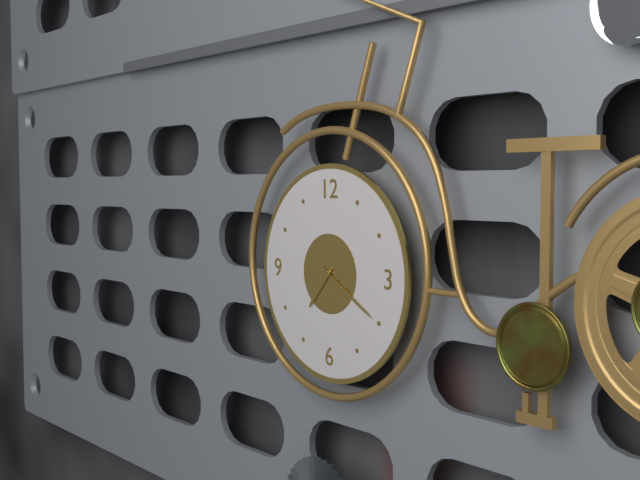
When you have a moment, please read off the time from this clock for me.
7:20
